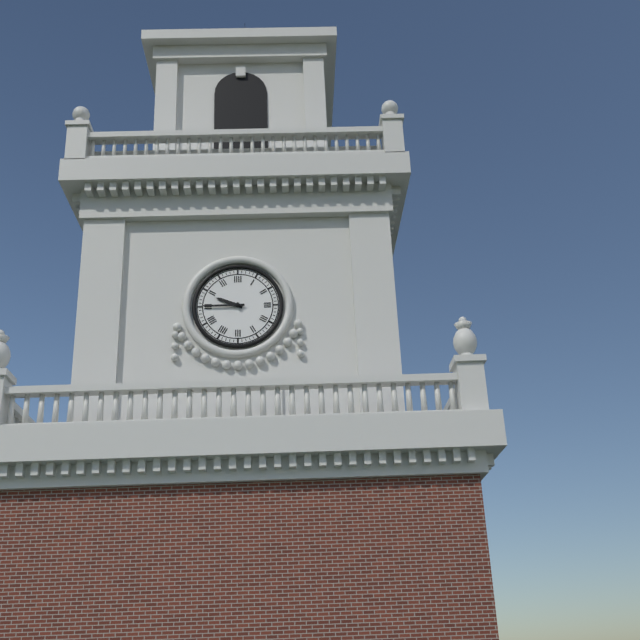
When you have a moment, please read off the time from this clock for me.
9:45
